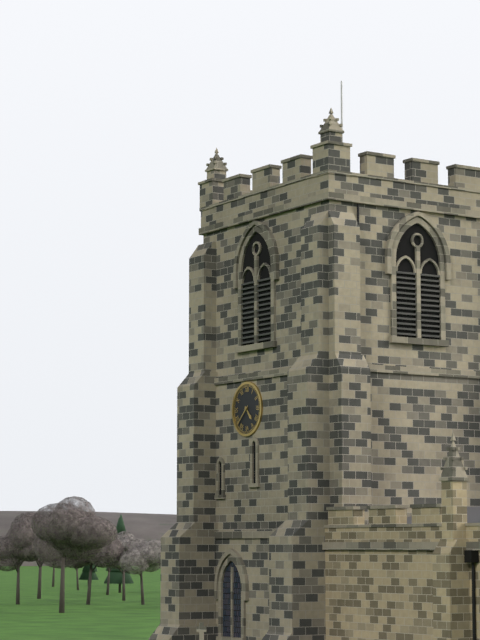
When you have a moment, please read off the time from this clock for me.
4:38
